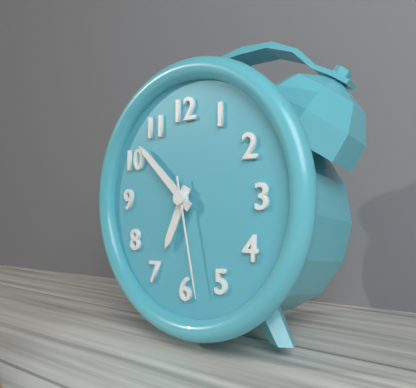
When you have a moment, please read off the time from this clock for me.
6:52:28
